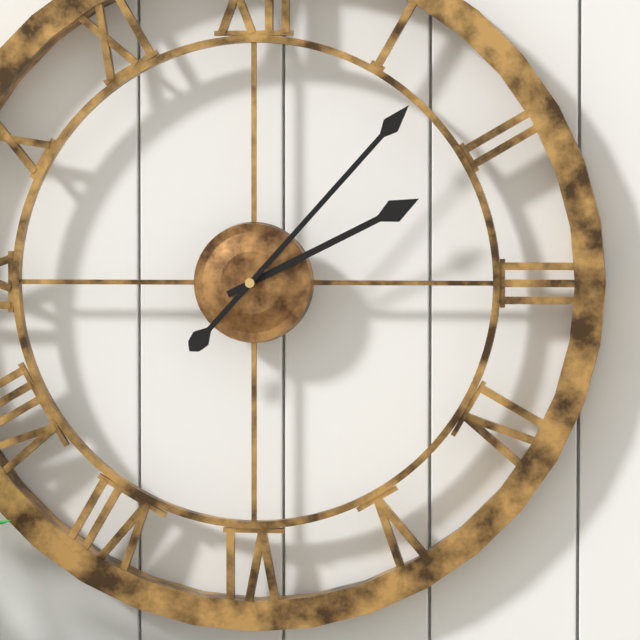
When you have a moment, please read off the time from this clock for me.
2:07
